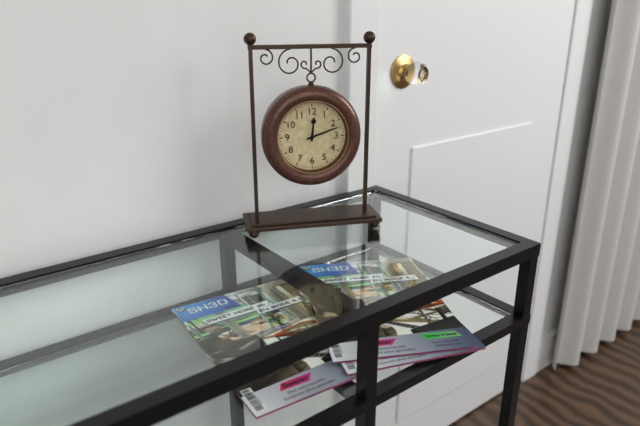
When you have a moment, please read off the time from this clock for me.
12:12
